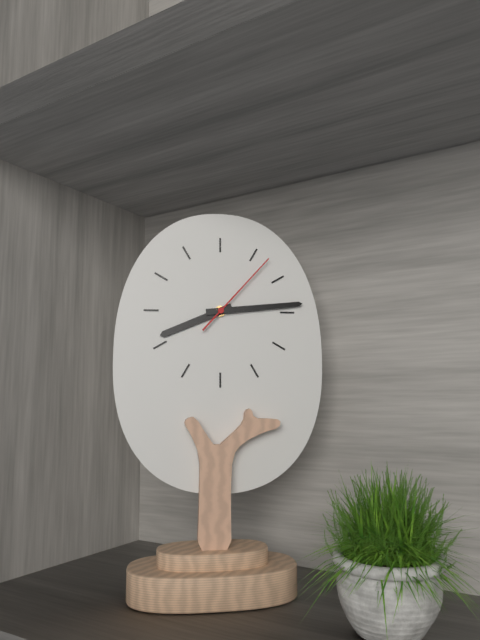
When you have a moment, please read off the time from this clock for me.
8:14:07
